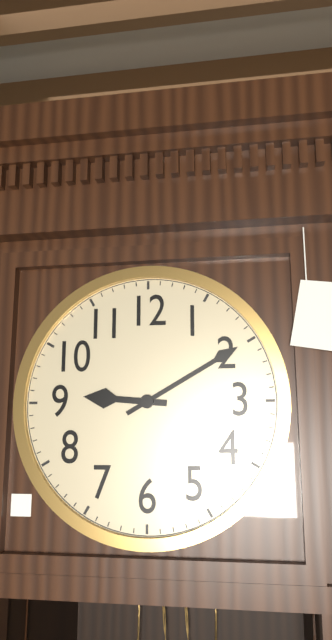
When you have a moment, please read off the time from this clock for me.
9:10
